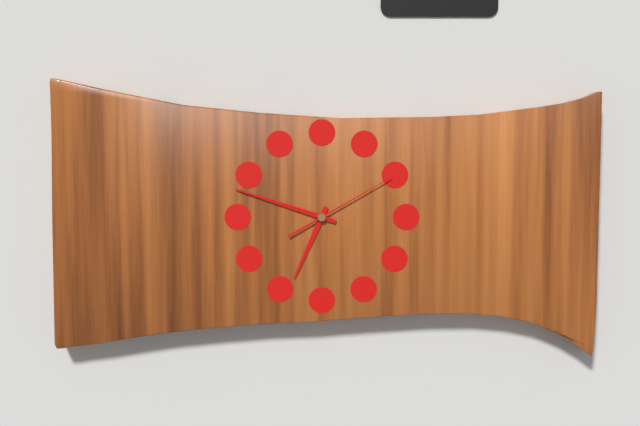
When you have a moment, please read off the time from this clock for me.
6:48:10
